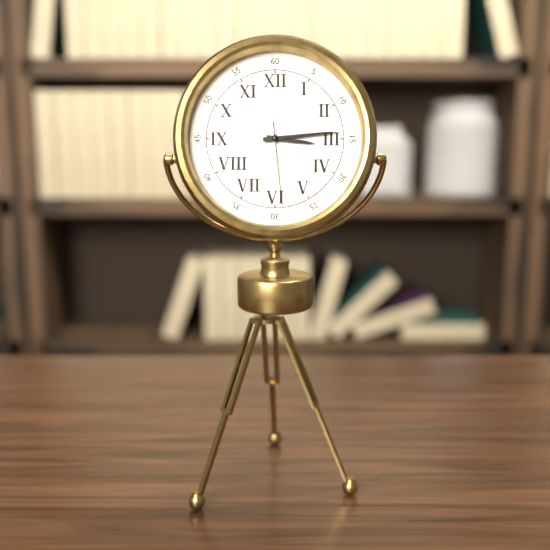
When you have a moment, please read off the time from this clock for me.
3:14:29
